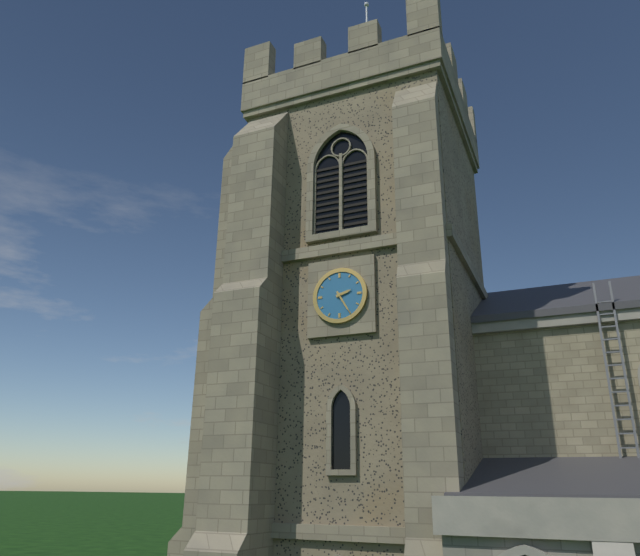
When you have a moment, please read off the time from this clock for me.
2:25
